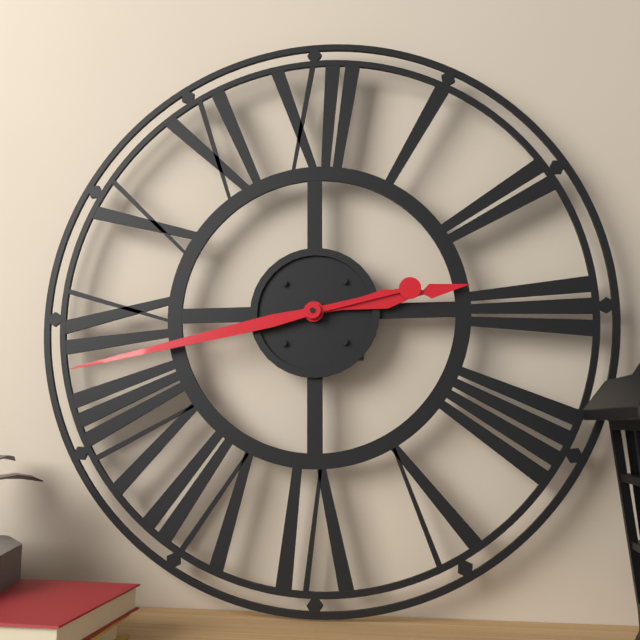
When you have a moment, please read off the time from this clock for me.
2:43
